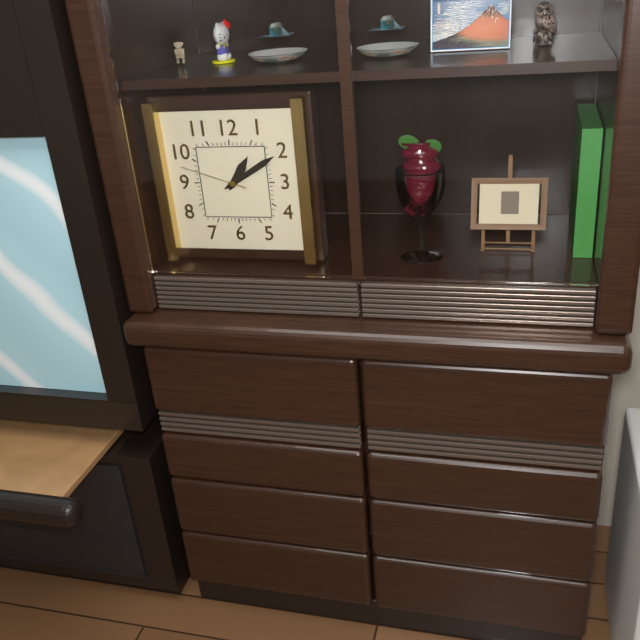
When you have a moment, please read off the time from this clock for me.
1:10:48
